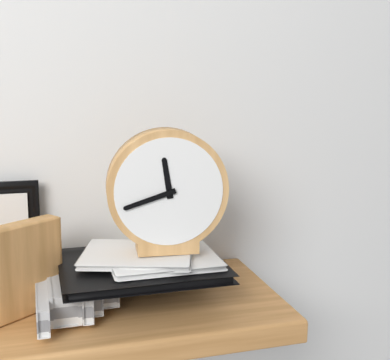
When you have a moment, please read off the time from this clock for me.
11:42
